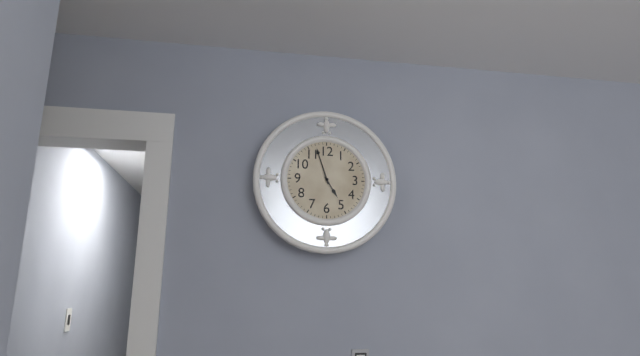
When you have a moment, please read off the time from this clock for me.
4:57
